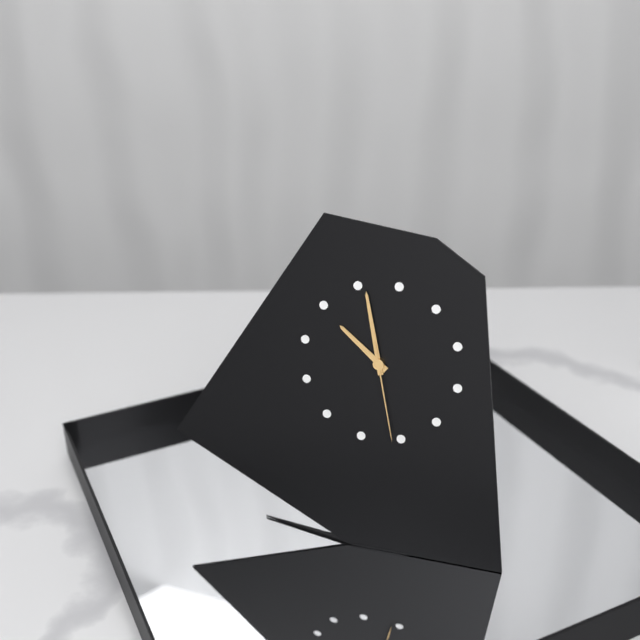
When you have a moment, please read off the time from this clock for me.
9:56:26
